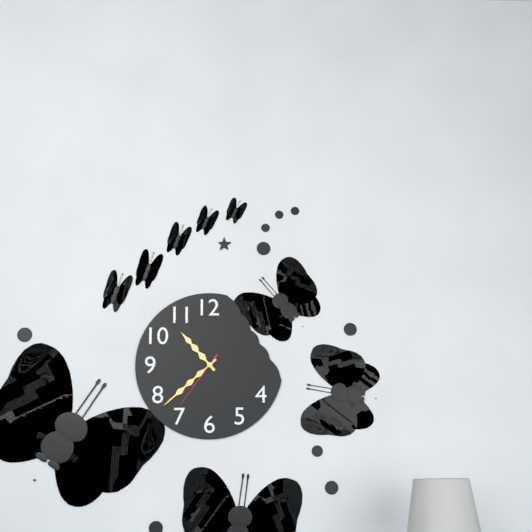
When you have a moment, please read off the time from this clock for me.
10:38:36
